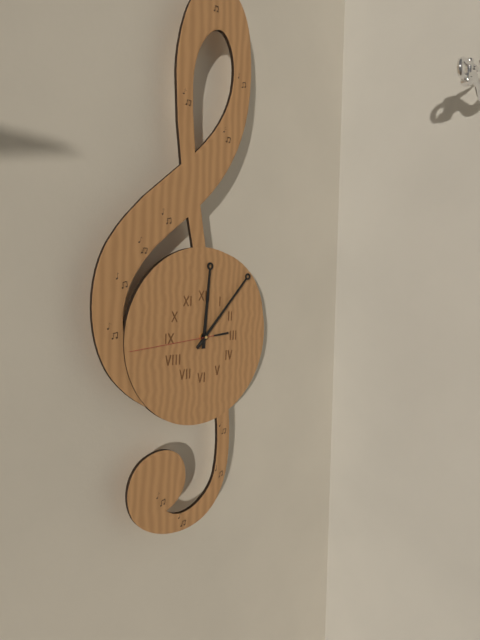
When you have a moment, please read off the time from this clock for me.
12:07:44
